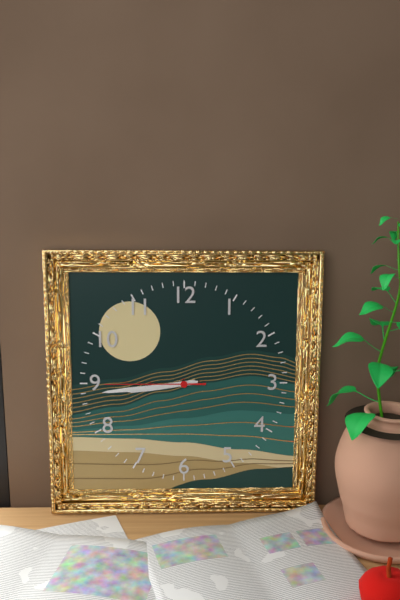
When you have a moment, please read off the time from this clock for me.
8:44:45
